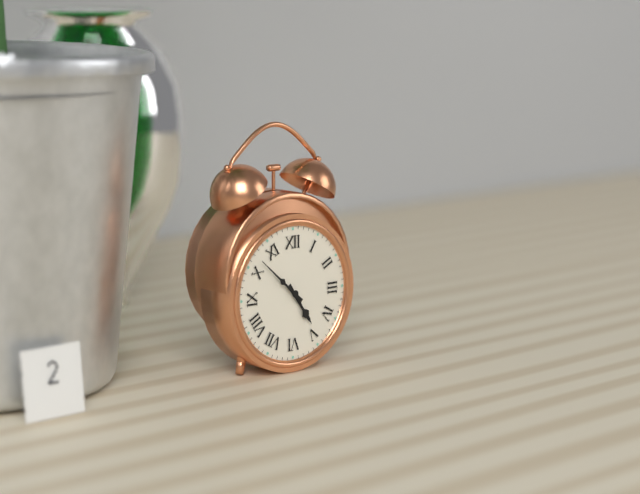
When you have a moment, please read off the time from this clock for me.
4:52
